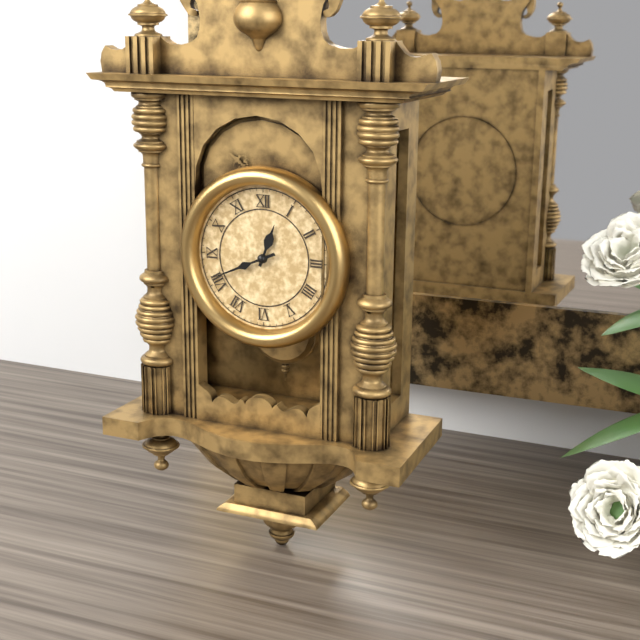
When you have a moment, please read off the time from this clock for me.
12:41
